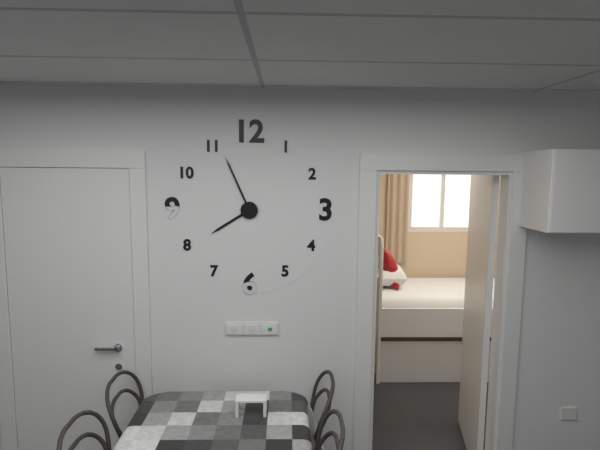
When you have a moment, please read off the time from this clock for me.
7:56
